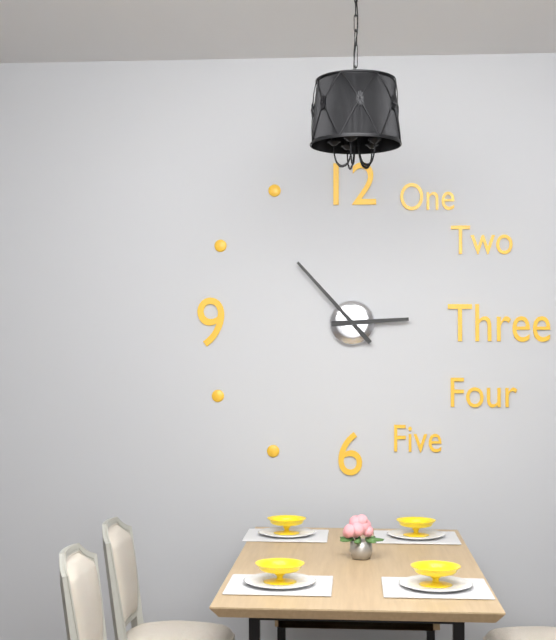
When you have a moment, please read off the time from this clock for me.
2:53
